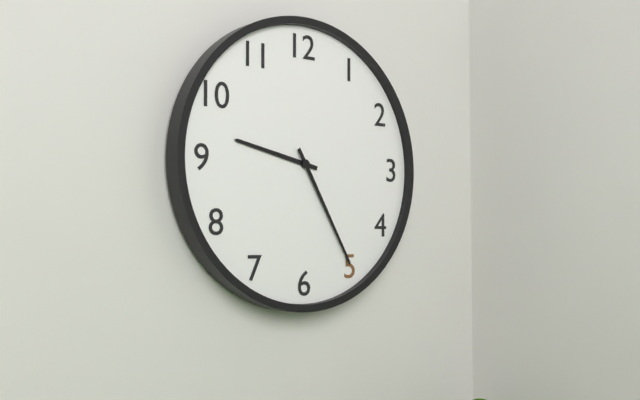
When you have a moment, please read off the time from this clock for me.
9:25
